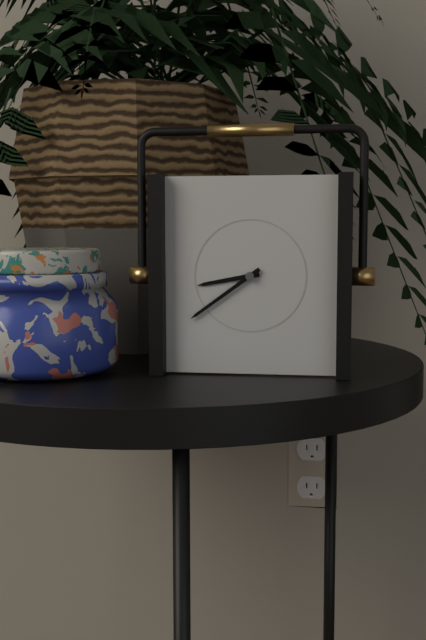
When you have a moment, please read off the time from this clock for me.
8:39
